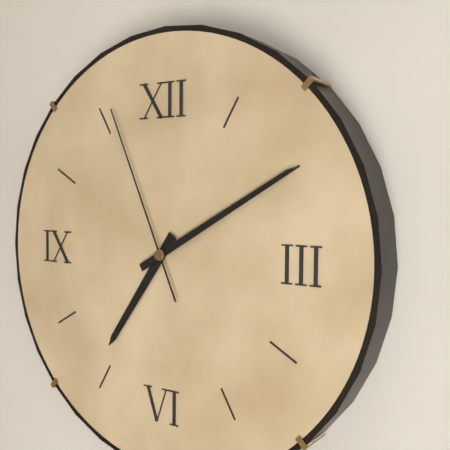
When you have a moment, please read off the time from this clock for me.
7:10:56
